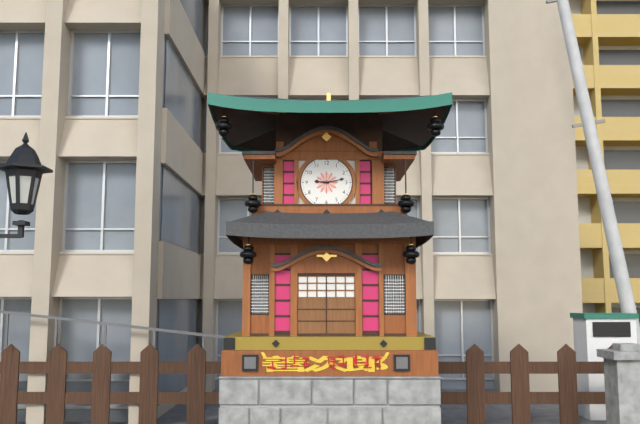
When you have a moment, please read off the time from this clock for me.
9:13
